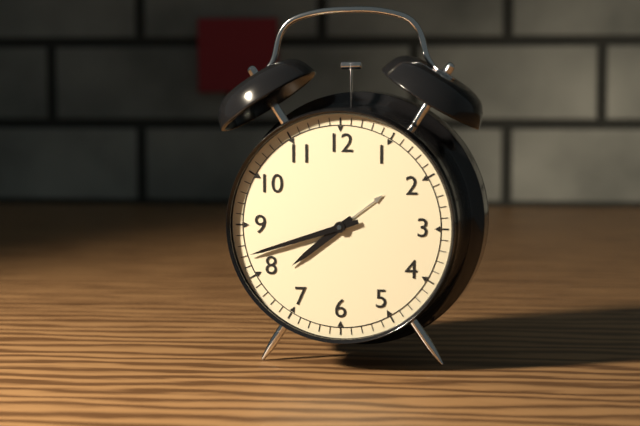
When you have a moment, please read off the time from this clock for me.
7:42
